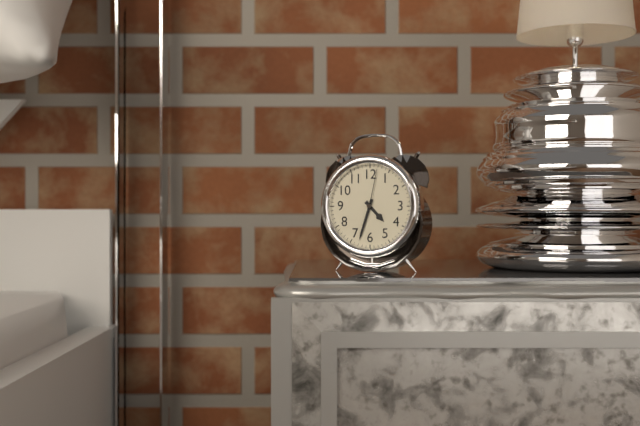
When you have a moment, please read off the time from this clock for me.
4:33
